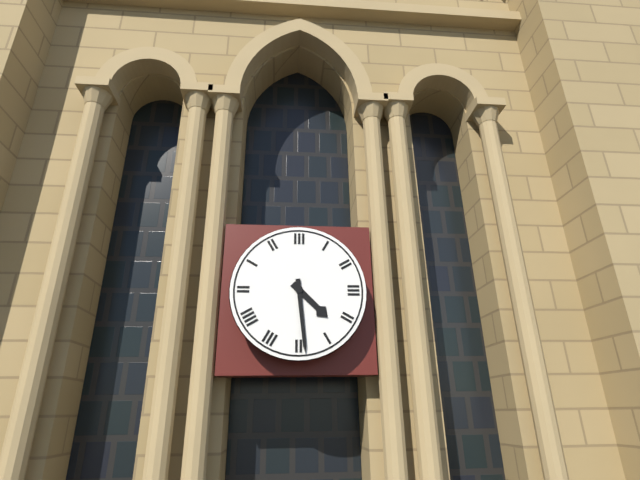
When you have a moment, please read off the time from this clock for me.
4:29
